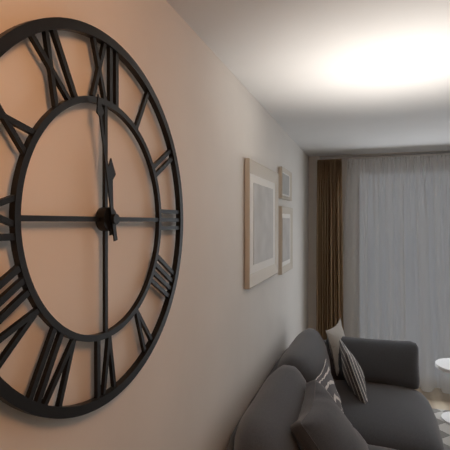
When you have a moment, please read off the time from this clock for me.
11:58
